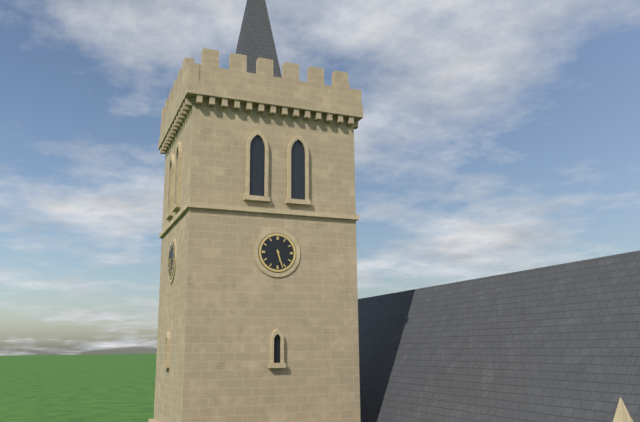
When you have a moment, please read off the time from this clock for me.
5:27
